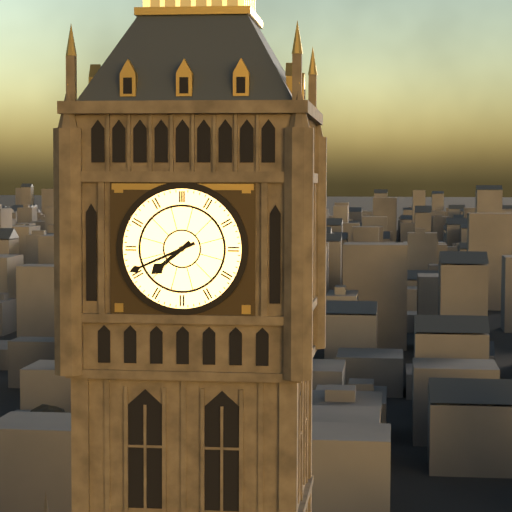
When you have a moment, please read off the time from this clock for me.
7:41
